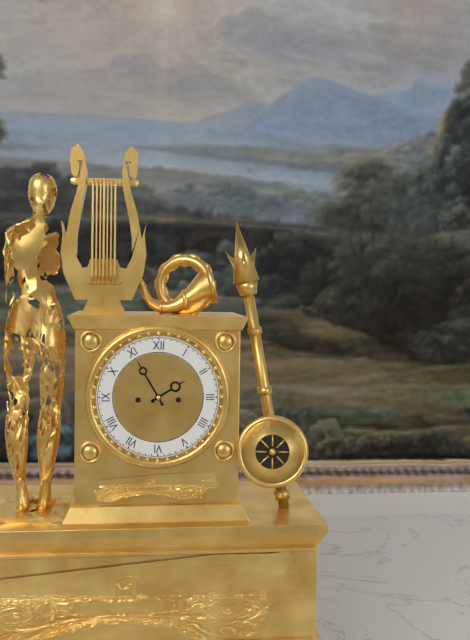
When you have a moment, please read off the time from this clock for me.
1:55
